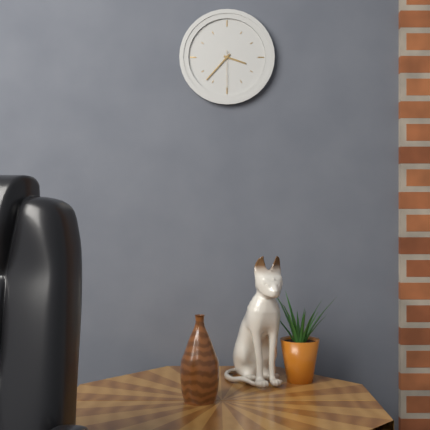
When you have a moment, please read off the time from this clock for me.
3:37
